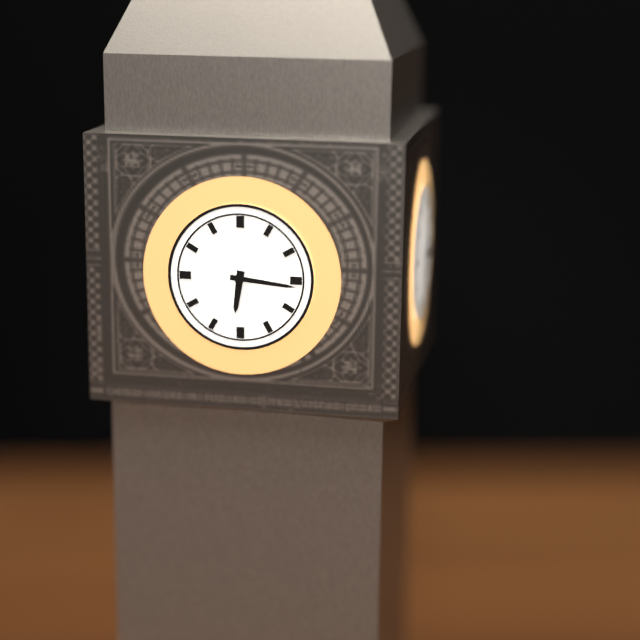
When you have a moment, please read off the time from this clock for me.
6:16
